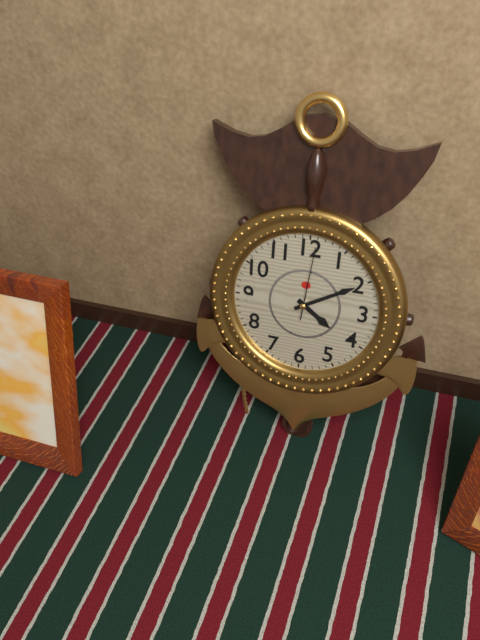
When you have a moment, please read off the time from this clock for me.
4:10:01
